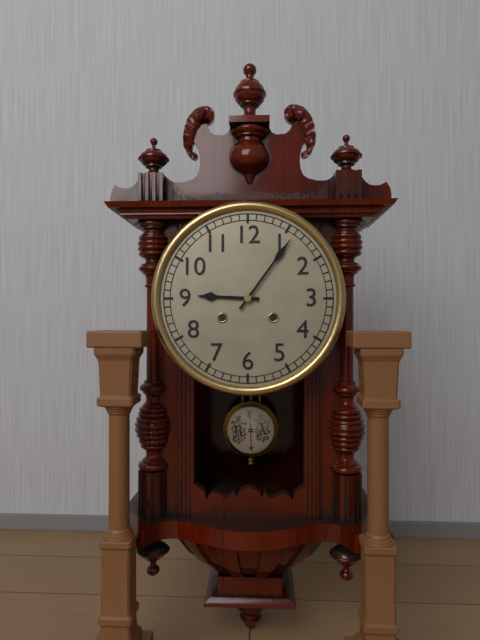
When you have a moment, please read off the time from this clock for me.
9:06
